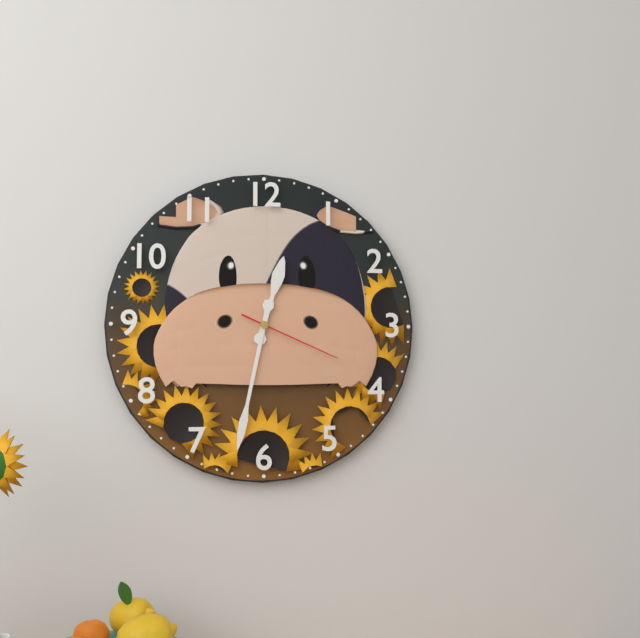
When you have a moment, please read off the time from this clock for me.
12:32:19
